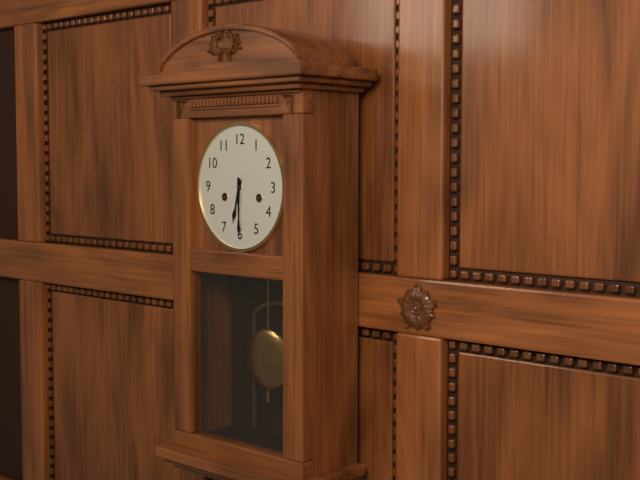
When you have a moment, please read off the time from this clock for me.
6:30
